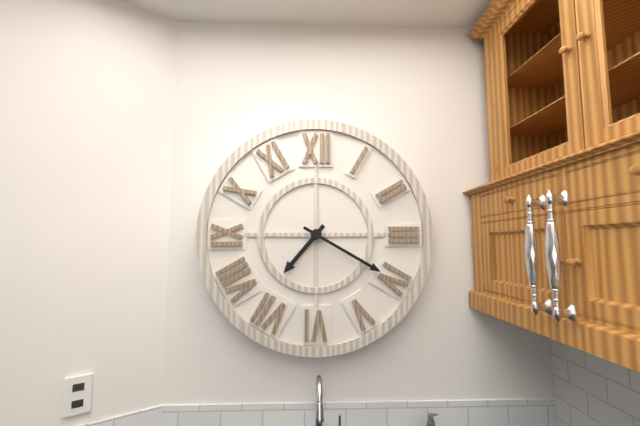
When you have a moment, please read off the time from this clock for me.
7:20
